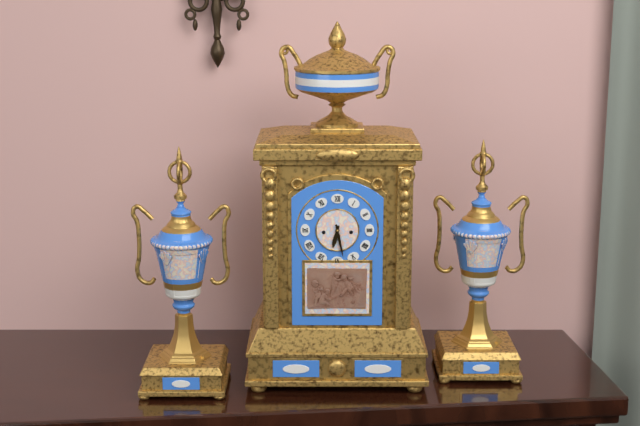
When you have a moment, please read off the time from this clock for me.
6:28
